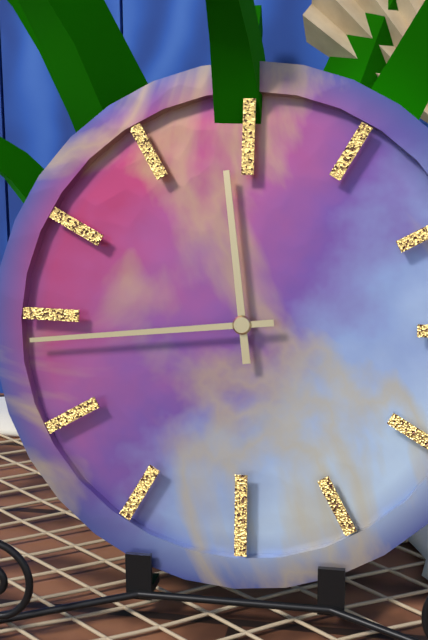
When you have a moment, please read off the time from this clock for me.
11:44
